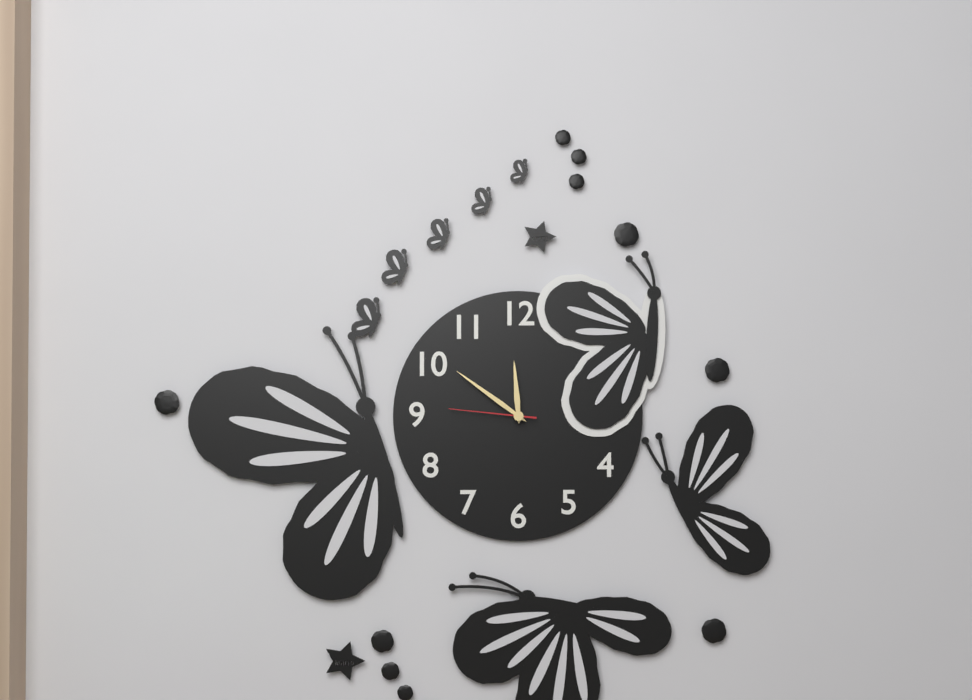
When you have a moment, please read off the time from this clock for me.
11:51:46
